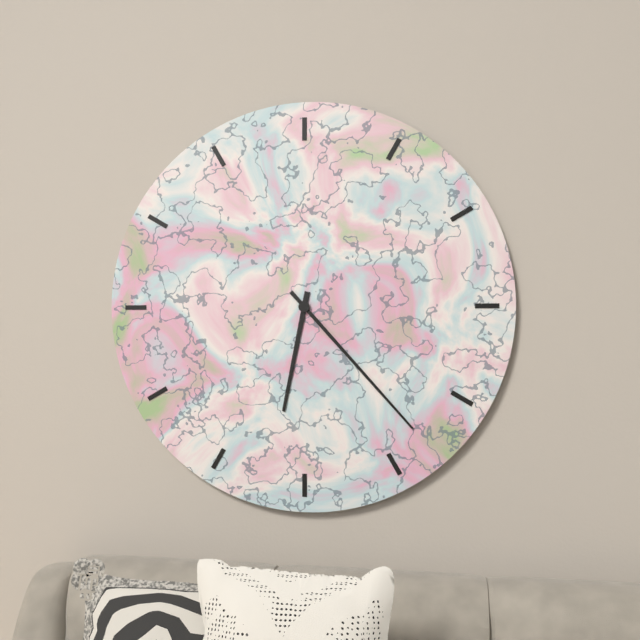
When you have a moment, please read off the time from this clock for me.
6:23
